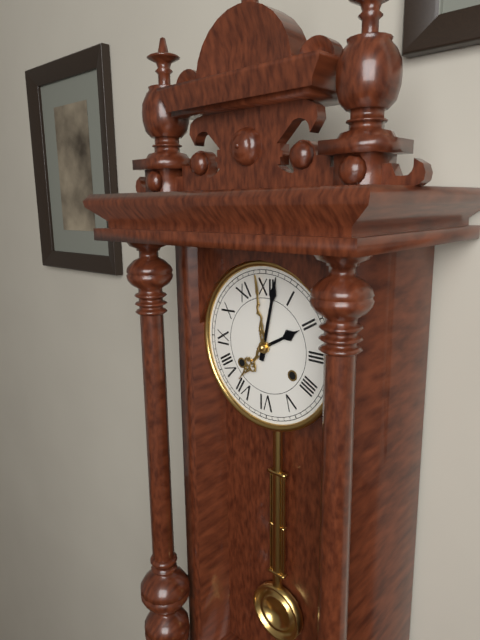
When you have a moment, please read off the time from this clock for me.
2:02
